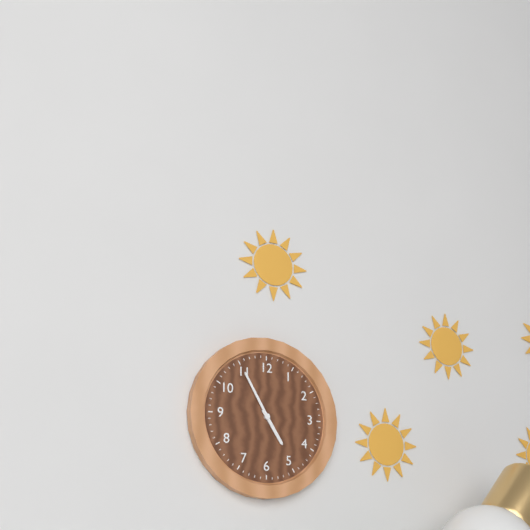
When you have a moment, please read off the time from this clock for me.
4:55
